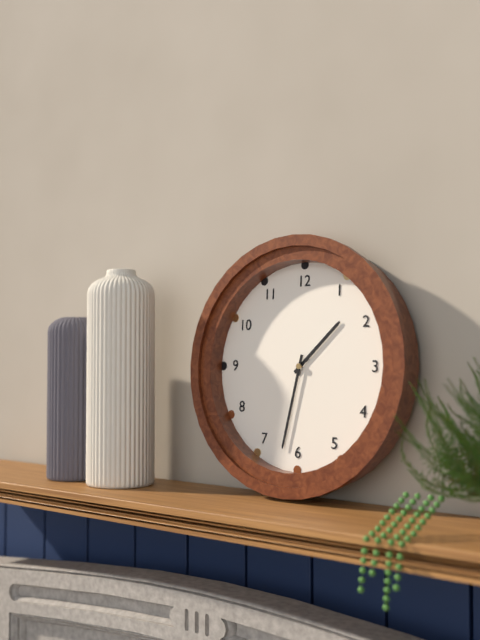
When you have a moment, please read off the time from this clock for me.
1:32
